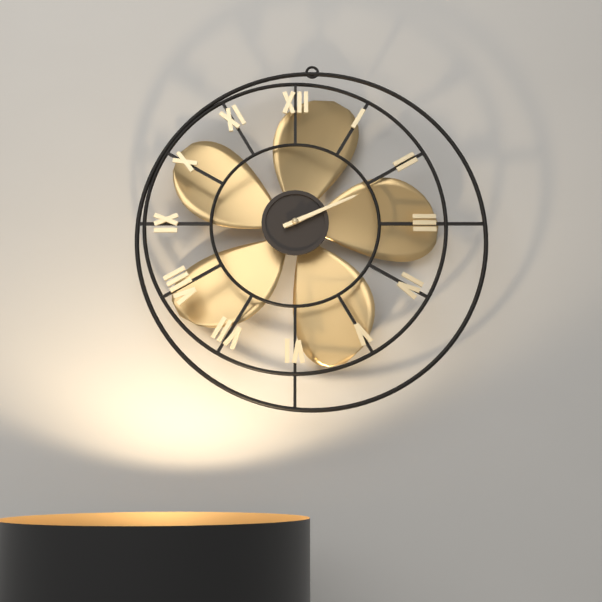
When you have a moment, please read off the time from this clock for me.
2:11
